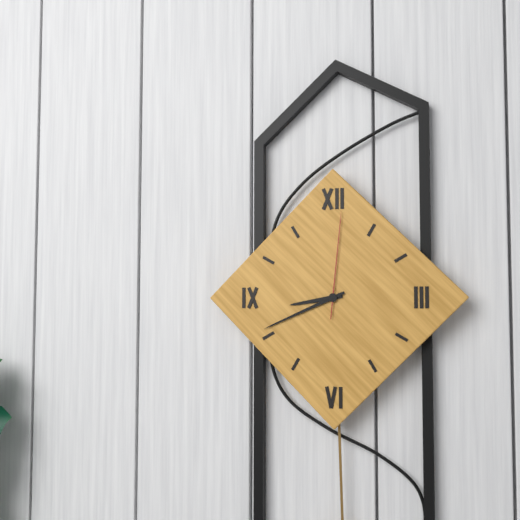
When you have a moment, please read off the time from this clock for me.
8:41:01
